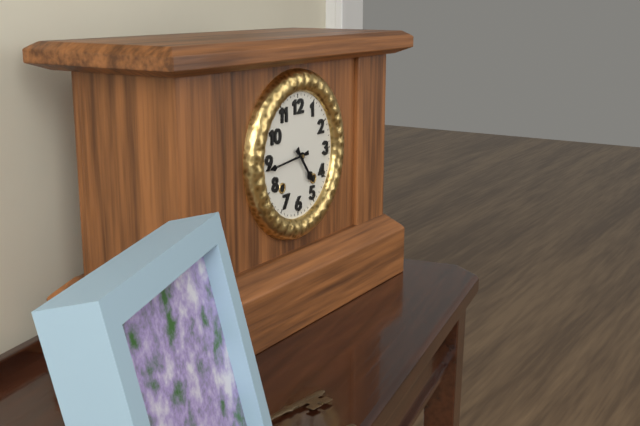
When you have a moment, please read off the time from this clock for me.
4:44
